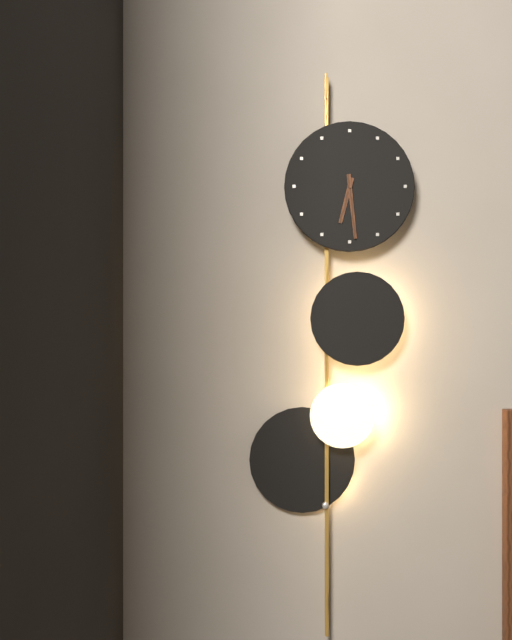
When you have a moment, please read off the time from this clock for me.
6:29
